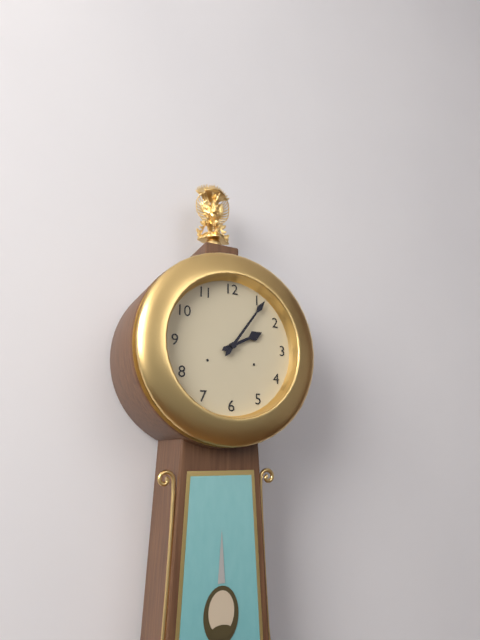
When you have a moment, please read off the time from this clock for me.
2:06
